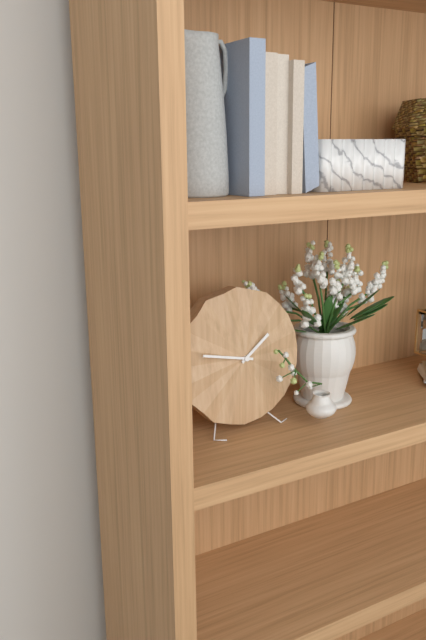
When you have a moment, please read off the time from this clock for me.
1:47
